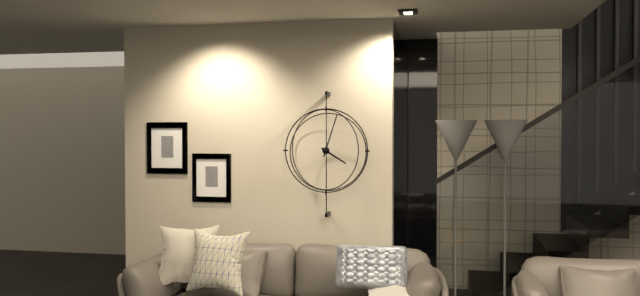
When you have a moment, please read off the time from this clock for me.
4:03
